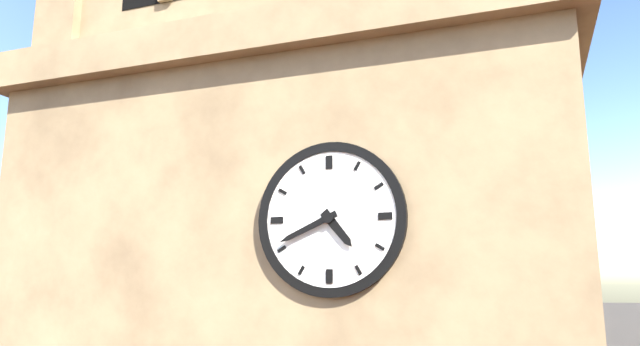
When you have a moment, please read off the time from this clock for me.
4:41
